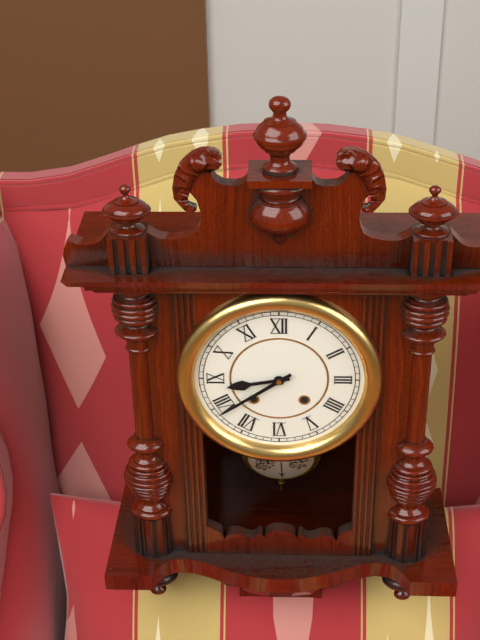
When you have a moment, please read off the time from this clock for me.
8:39
